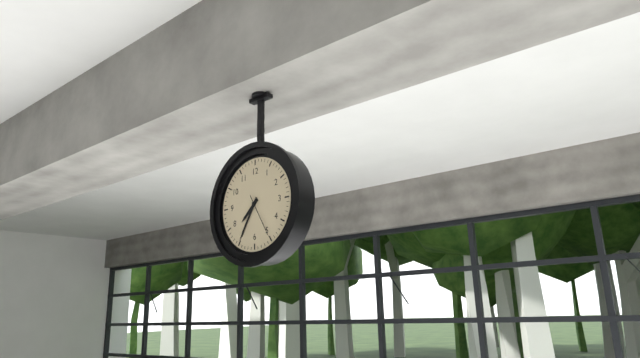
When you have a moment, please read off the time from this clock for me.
7:35
